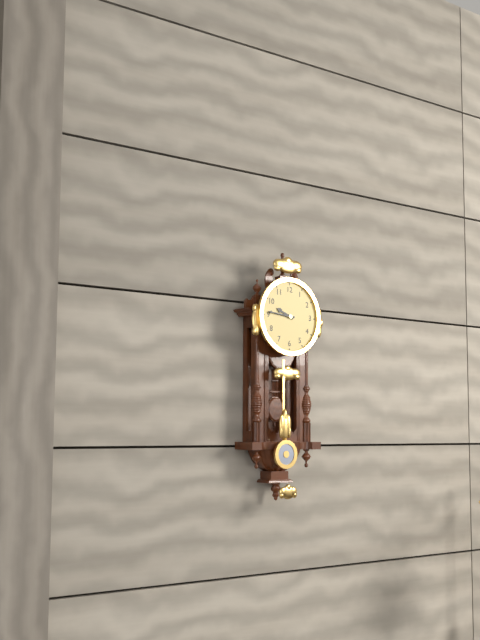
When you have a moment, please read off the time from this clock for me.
9:46
